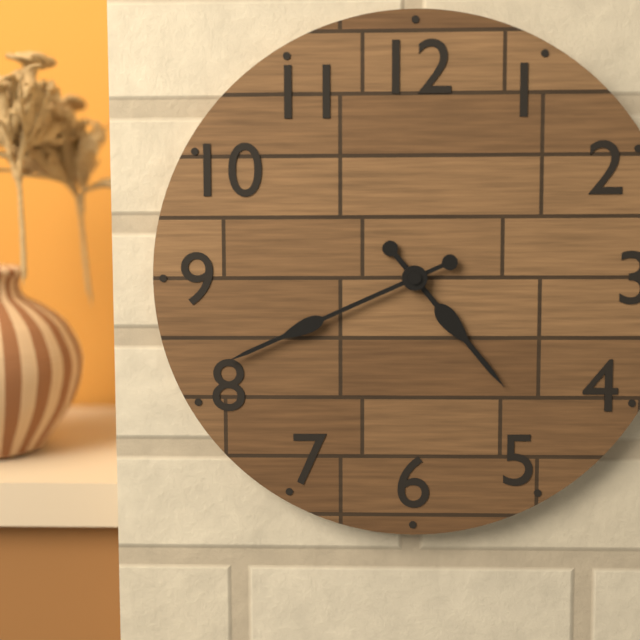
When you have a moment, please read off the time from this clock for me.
4:41
